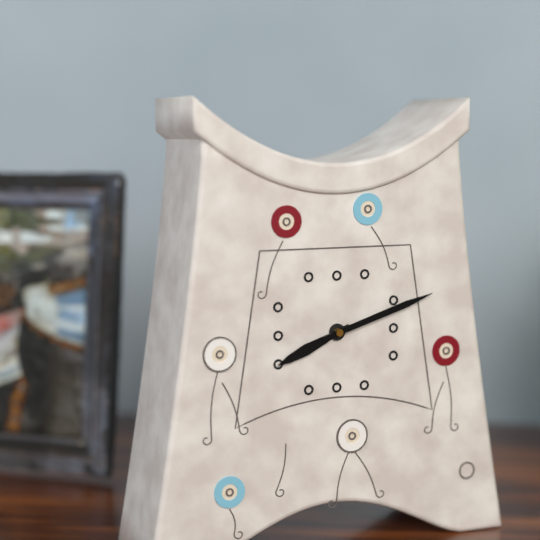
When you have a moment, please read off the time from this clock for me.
8:12
